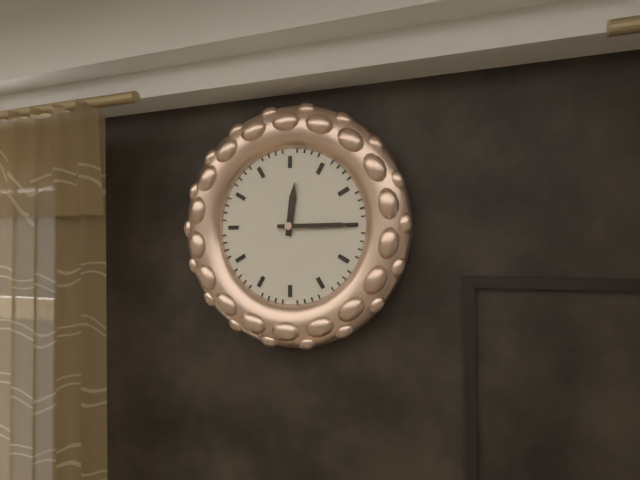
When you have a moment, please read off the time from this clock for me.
12:15
